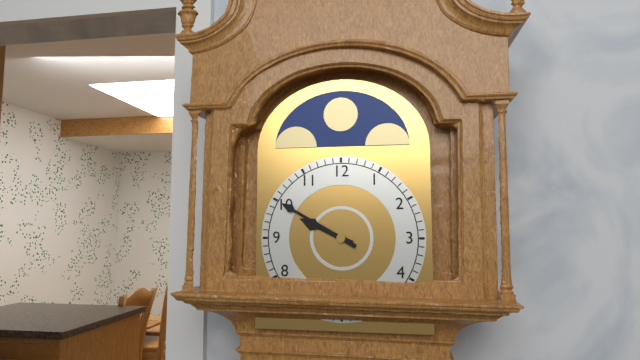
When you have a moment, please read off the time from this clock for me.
9:50
